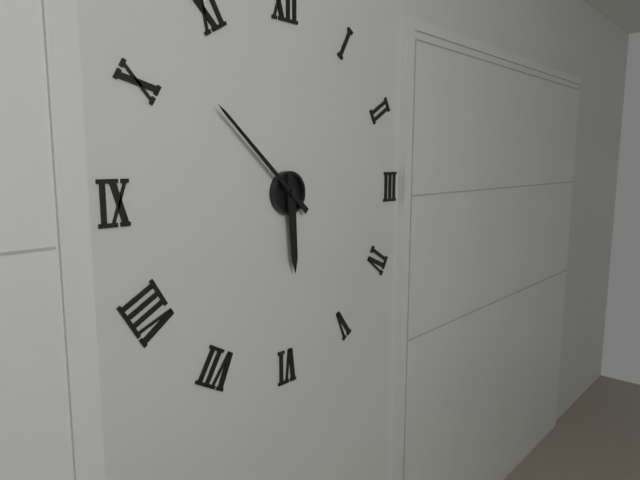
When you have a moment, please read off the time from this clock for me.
5:52
